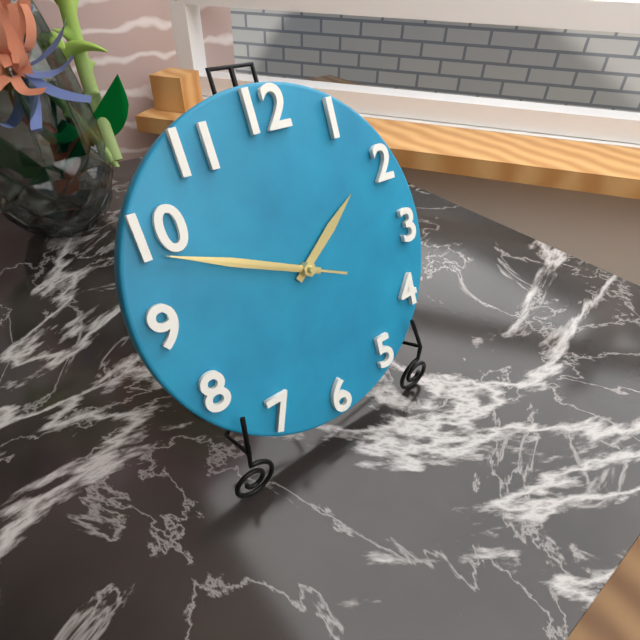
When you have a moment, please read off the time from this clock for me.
1:49:49
